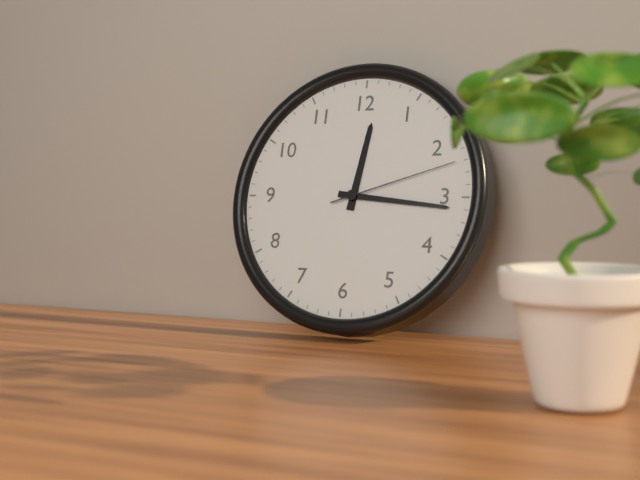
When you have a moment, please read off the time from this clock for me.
12:16:12
